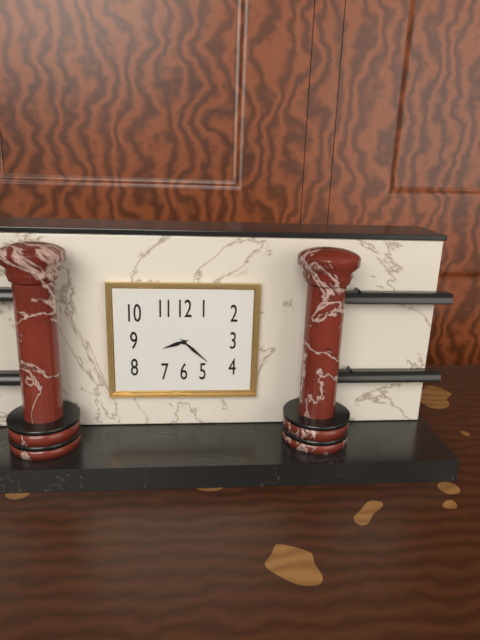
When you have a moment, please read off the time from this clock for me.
8:22
